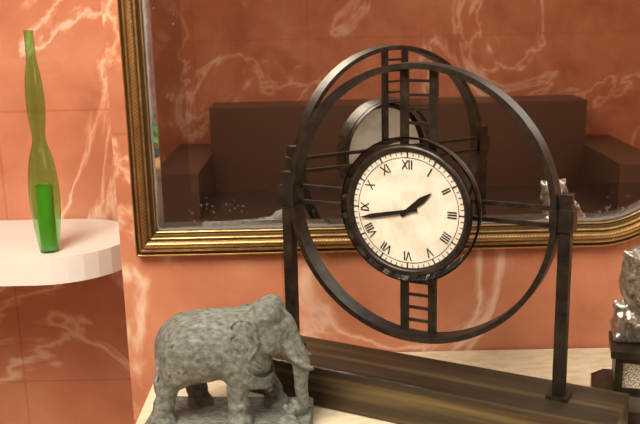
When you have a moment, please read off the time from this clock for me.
1:43
